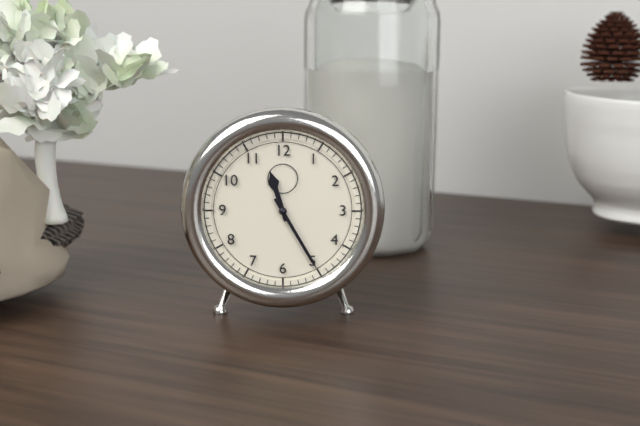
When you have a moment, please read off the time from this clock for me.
11:25
